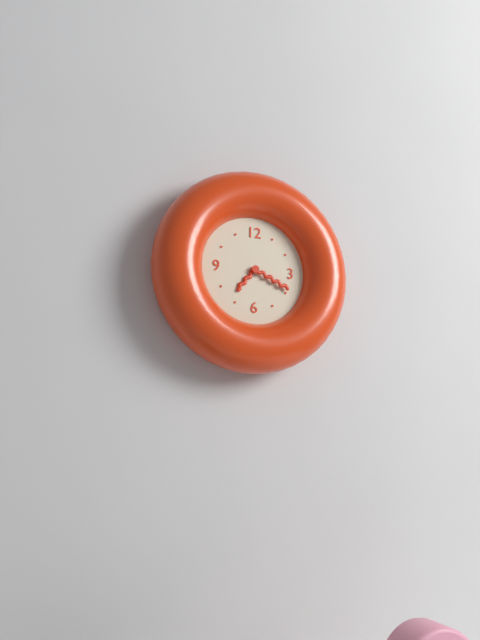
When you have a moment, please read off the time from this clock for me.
7:19
